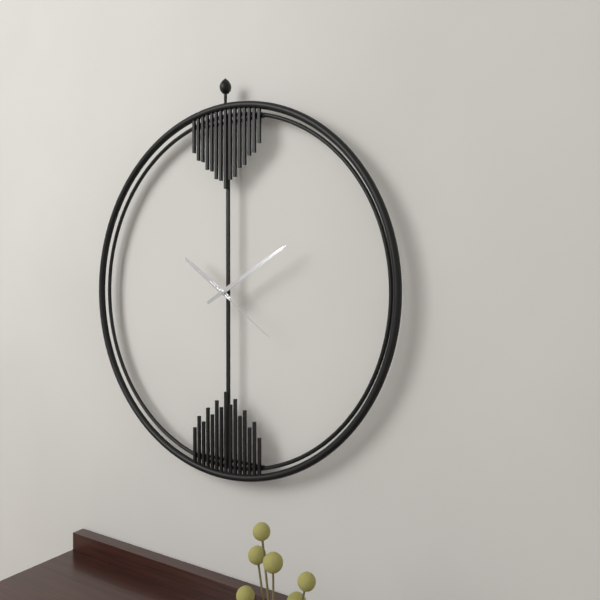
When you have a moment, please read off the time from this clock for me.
10:10:21
